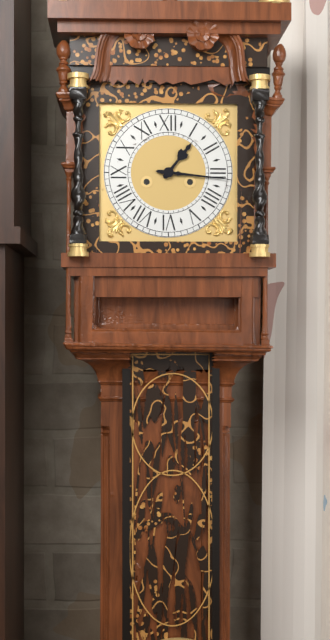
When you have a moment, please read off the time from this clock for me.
1:16
